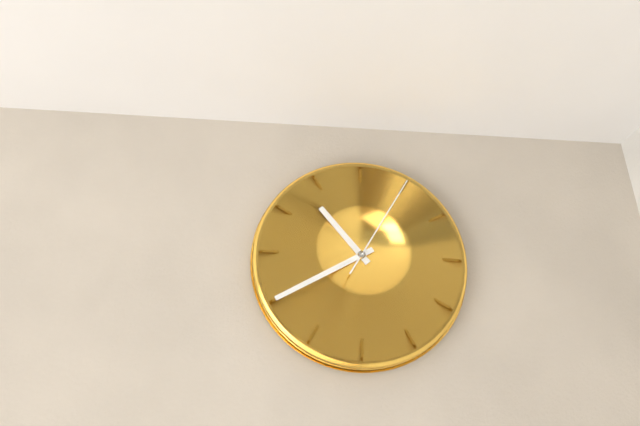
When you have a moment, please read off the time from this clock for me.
10:40:05
